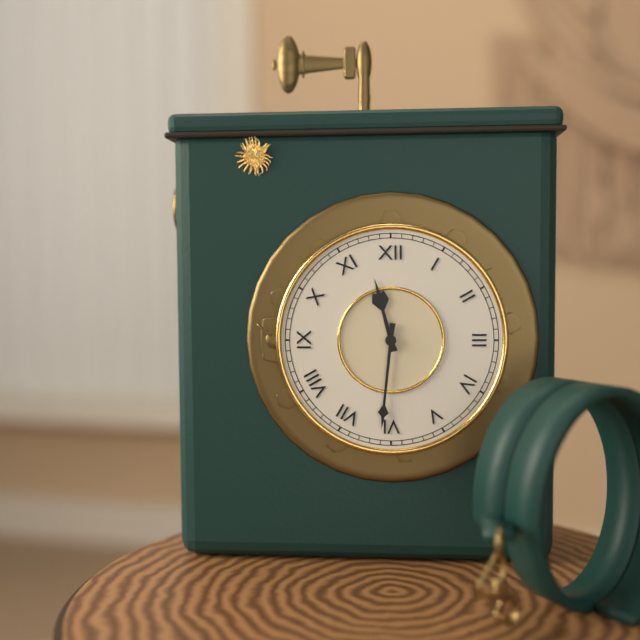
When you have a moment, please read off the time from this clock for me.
11:31
